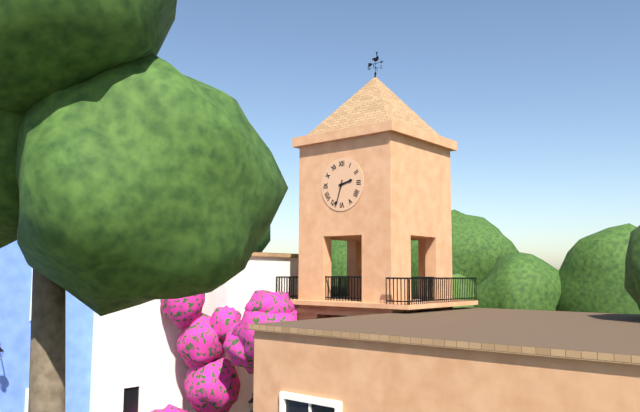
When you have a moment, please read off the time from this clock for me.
2:33
